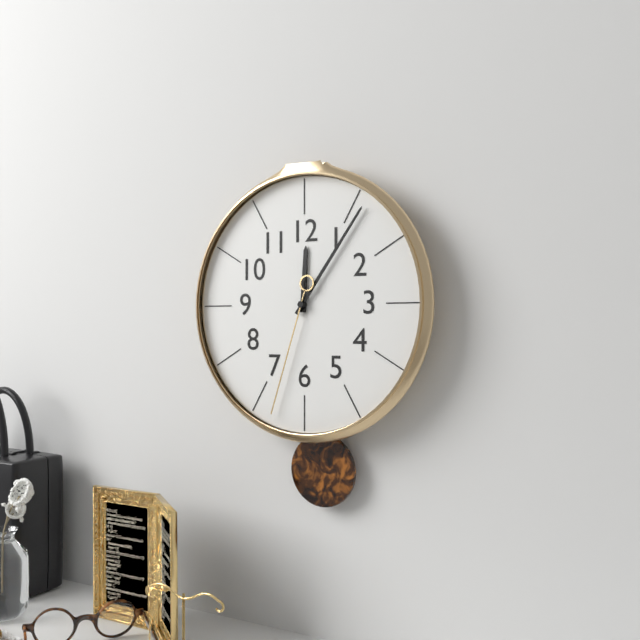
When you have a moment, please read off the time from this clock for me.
12:06:33
